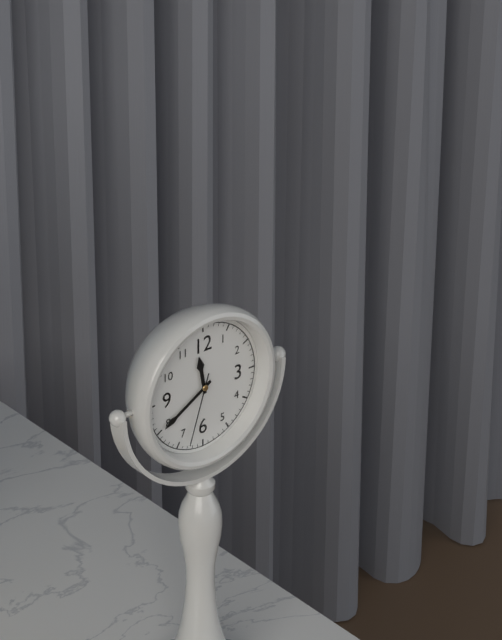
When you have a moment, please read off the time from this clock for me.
11:40:33
